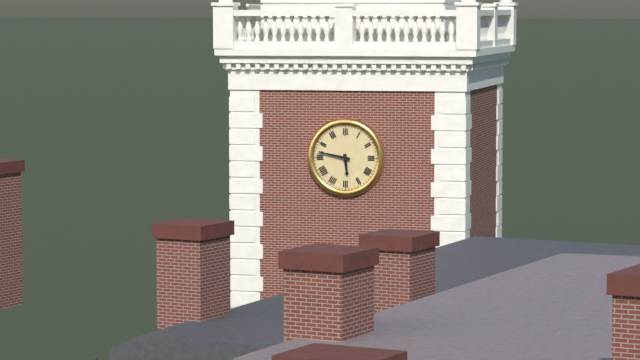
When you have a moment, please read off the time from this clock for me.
5:47
